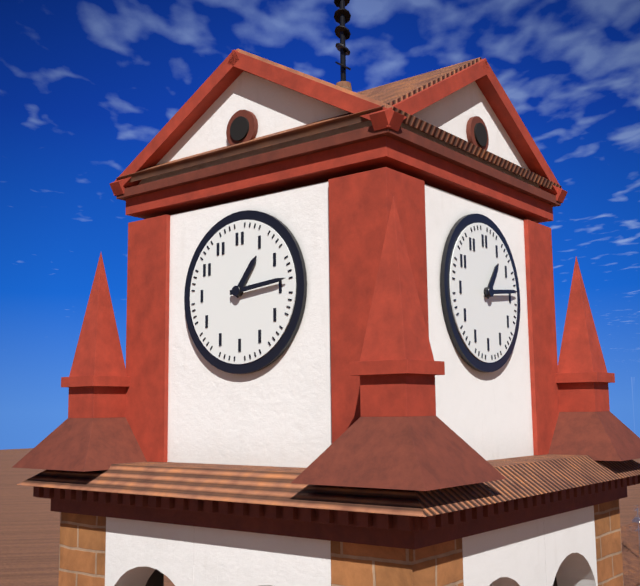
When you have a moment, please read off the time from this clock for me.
1:14
